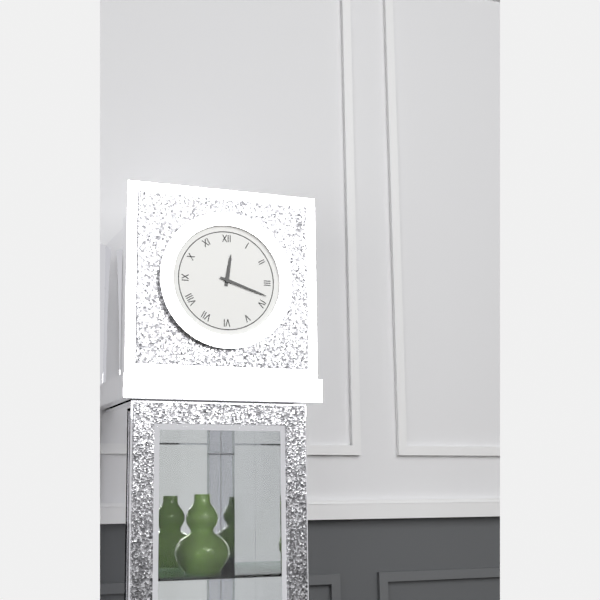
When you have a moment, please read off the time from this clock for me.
12:18
